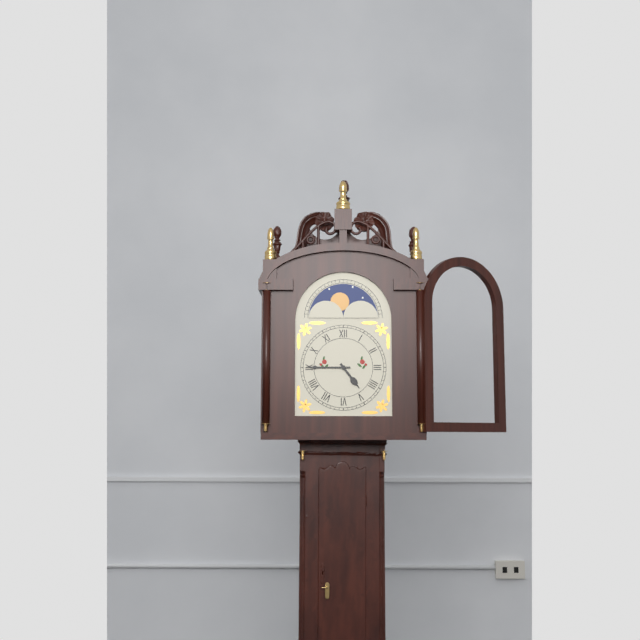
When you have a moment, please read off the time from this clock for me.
4:45
